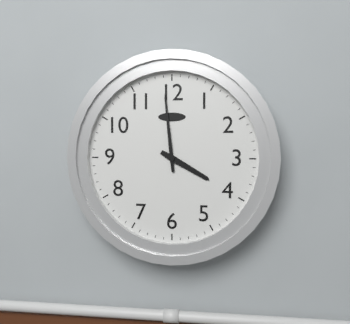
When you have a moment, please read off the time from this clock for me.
3:59
